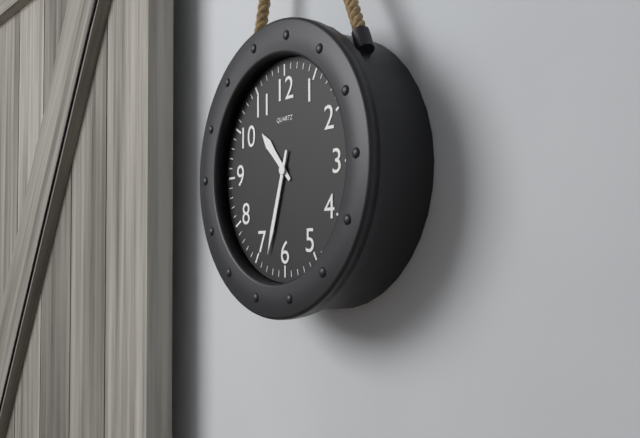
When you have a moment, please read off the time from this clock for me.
10:33
